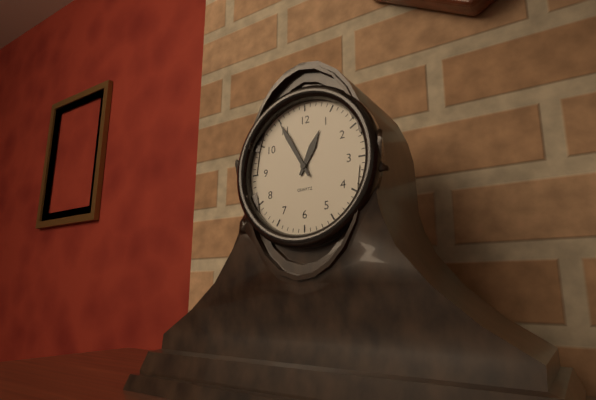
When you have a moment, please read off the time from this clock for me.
12:55
